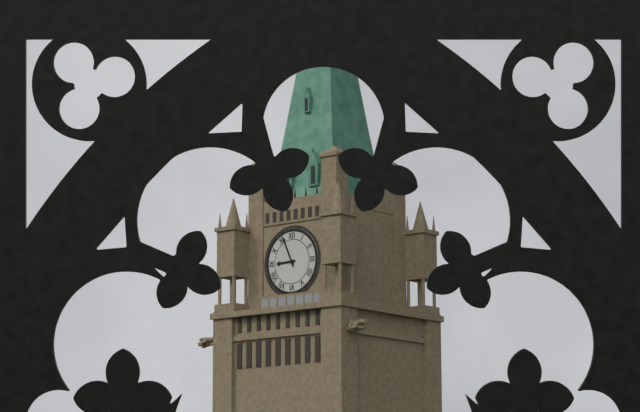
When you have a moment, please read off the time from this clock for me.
8:56
